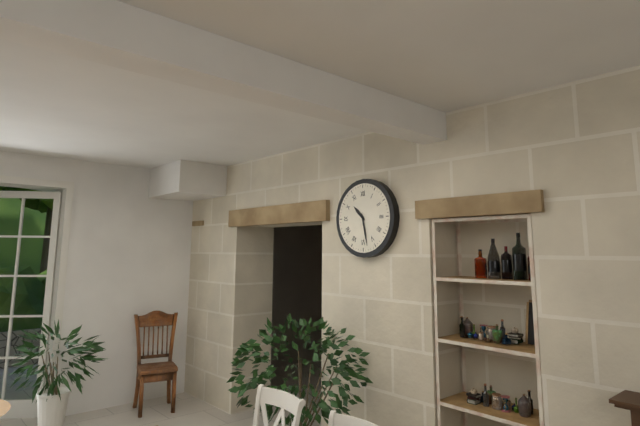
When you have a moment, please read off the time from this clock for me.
10:28
